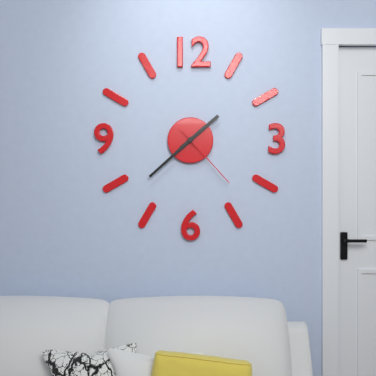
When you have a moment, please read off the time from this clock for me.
1:38:23
